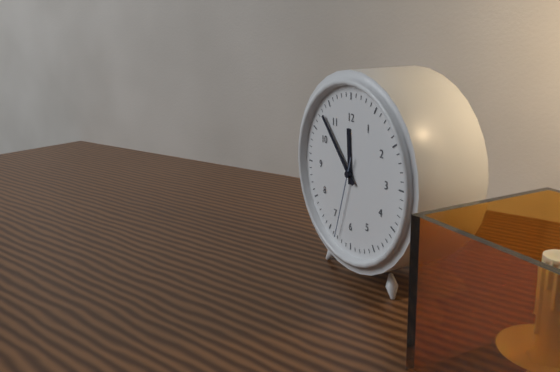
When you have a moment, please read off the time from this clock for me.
11:53:33
